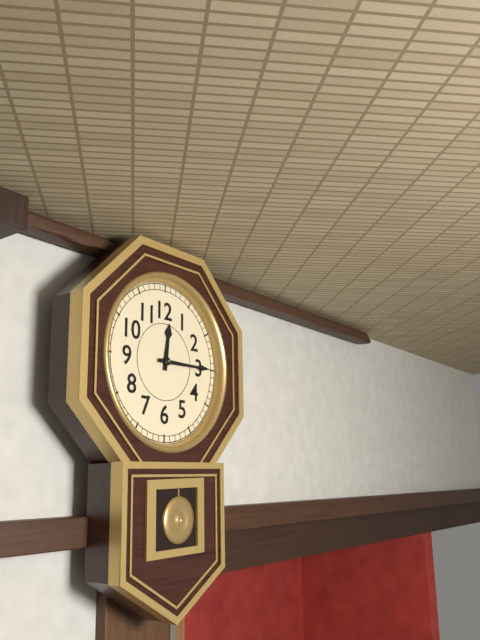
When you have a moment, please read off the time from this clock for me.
12:15
